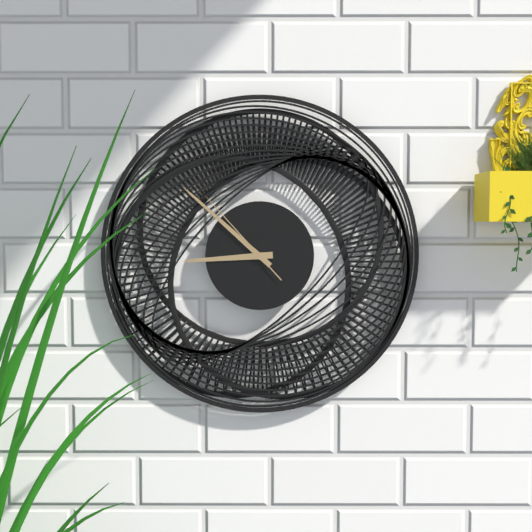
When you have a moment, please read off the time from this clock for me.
8:52:53
